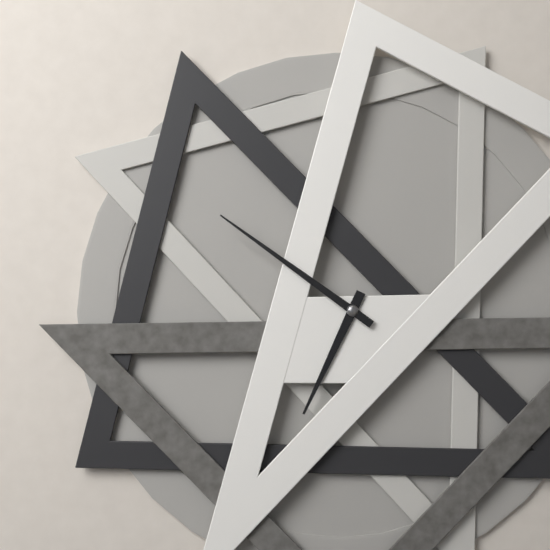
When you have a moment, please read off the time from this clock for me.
6:51
